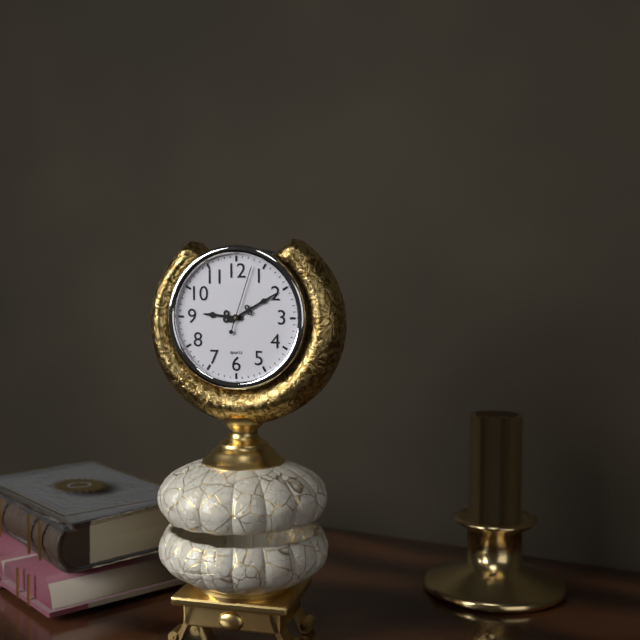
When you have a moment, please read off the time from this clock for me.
9:10:03
